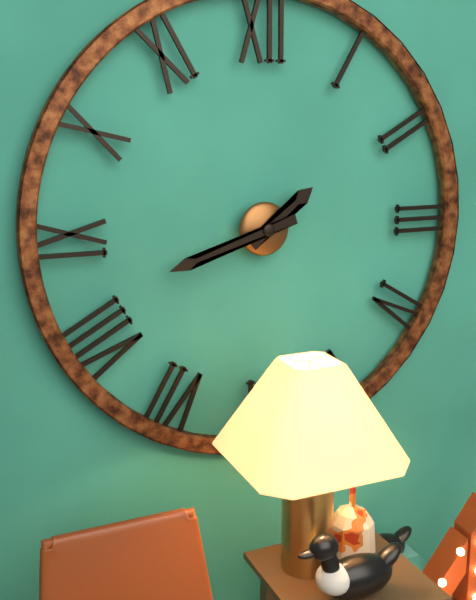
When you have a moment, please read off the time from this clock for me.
1:42
